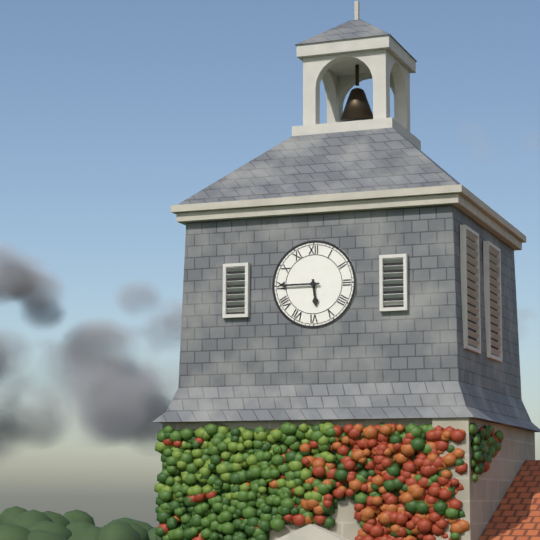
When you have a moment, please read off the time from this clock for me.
5:45
